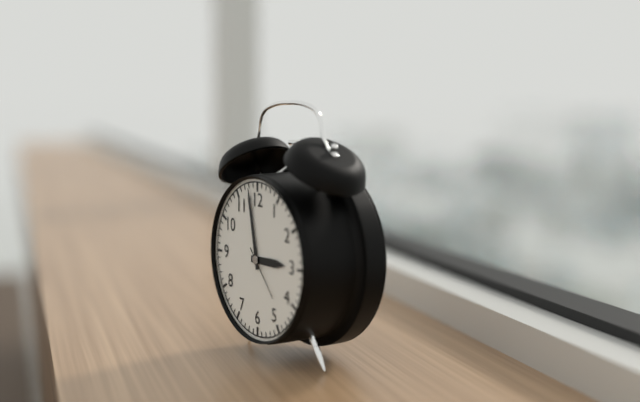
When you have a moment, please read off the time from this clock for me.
2:58:23
